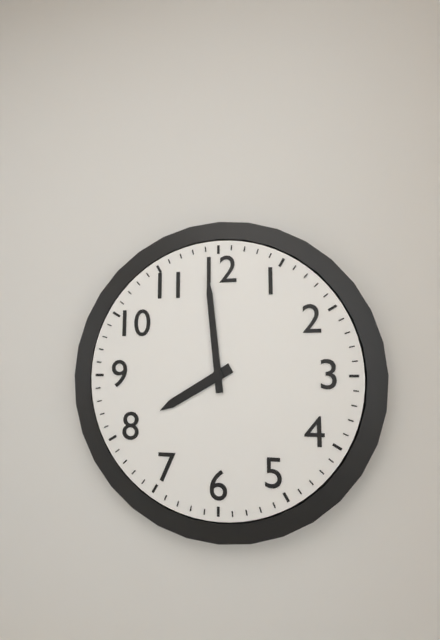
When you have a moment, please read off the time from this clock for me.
7:59
